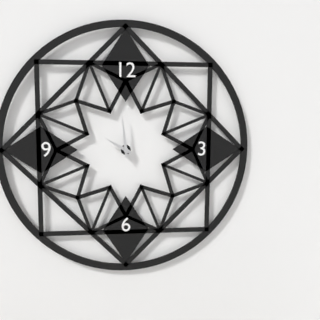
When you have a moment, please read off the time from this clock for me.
9:59
